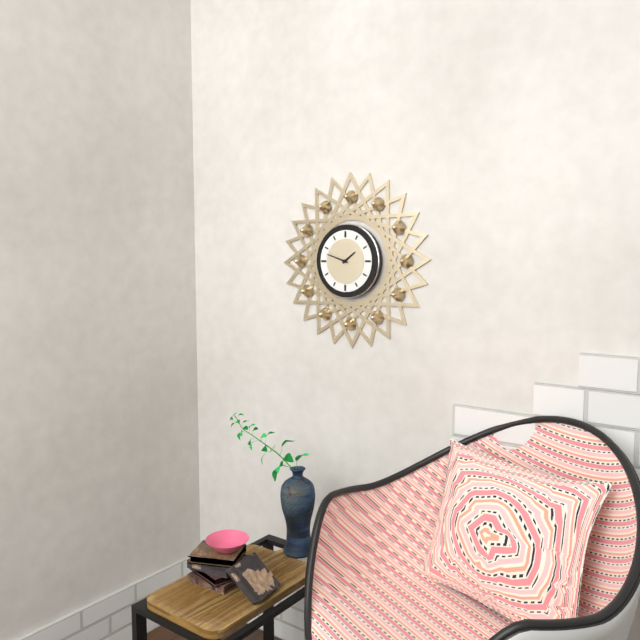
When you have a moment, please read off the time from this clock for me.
1:48
